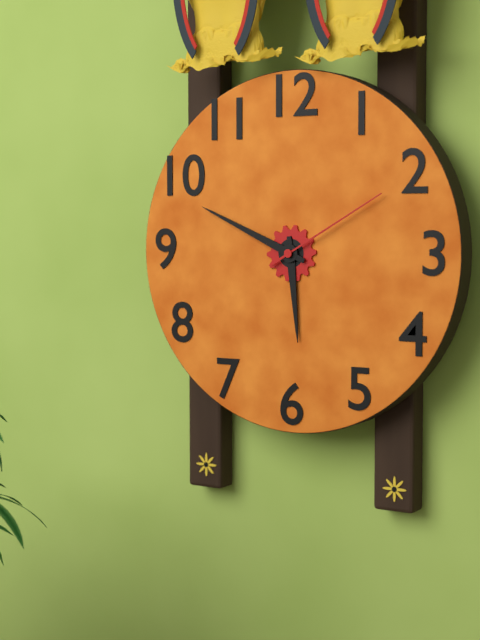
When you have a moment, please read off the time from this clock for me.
5:49:10
